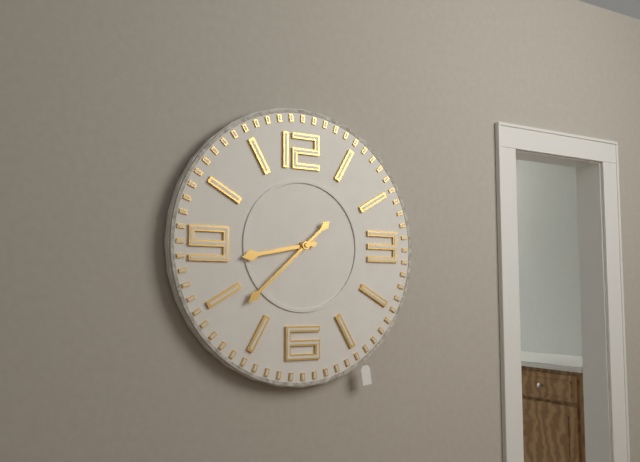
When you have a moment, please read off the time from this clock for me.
8:38
